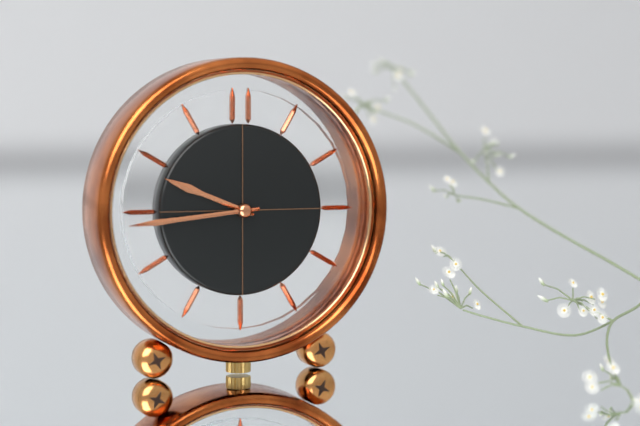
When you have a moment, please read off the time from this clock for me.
9:44
